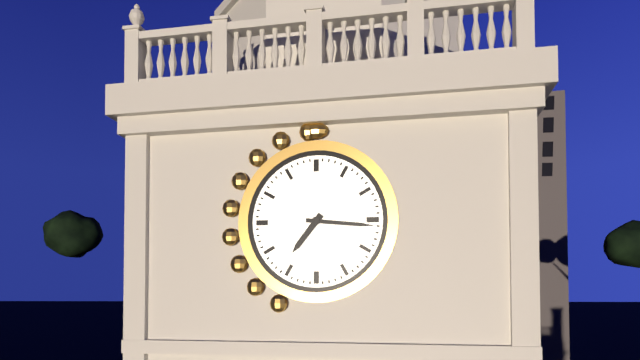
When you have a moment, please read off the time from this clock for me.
7:16
